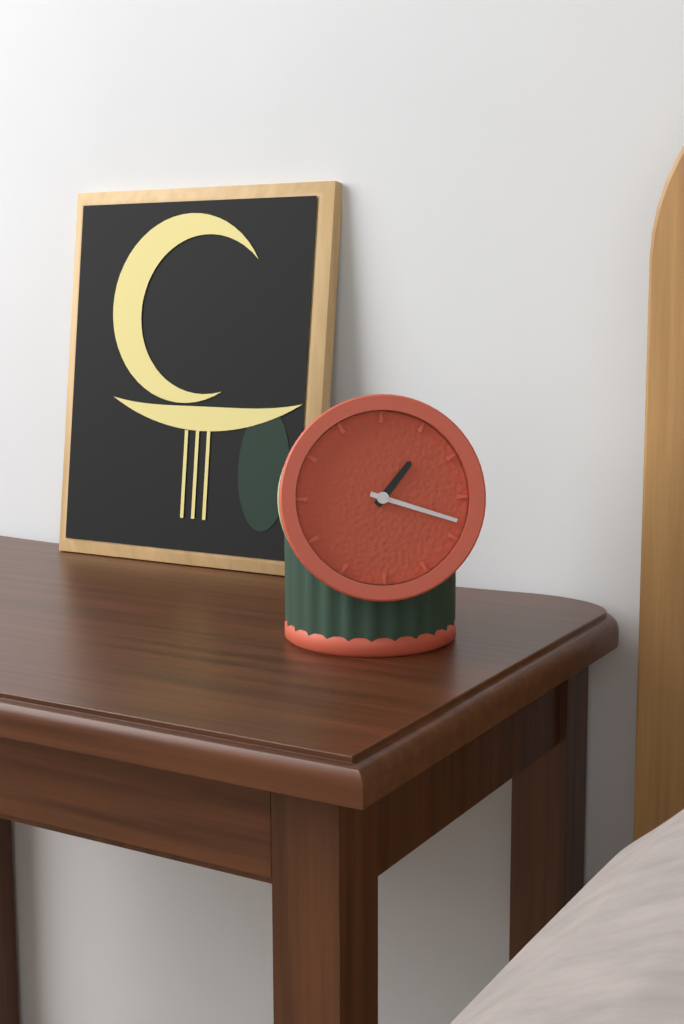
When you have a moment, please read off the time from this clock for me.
1:18
